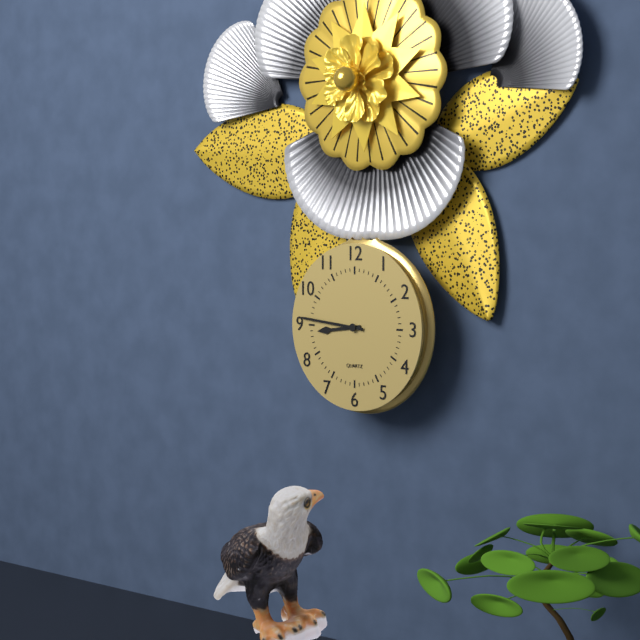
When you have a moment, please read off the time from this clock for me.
8:46
